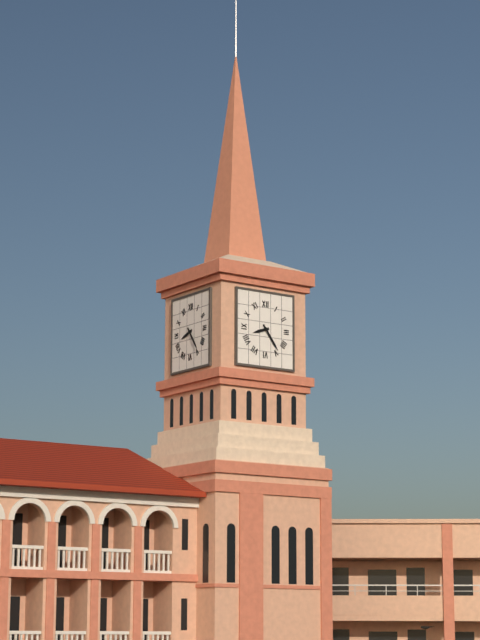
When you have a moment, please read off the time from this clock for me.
8:24
